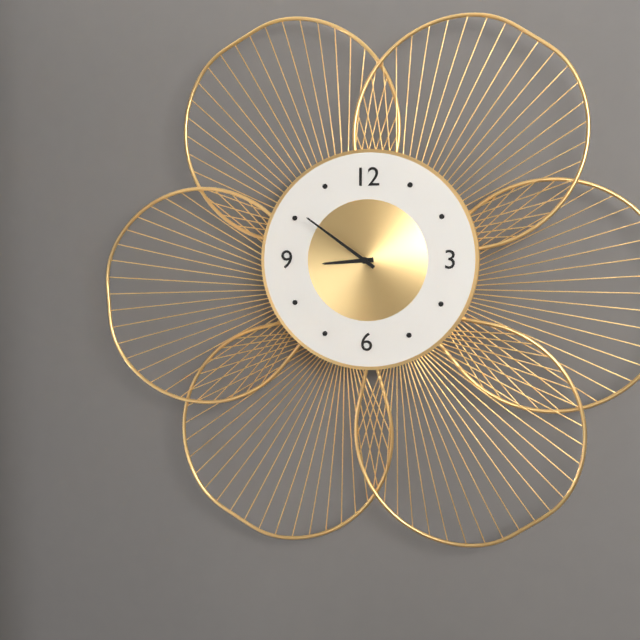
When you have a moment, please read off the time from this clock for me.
8:51
